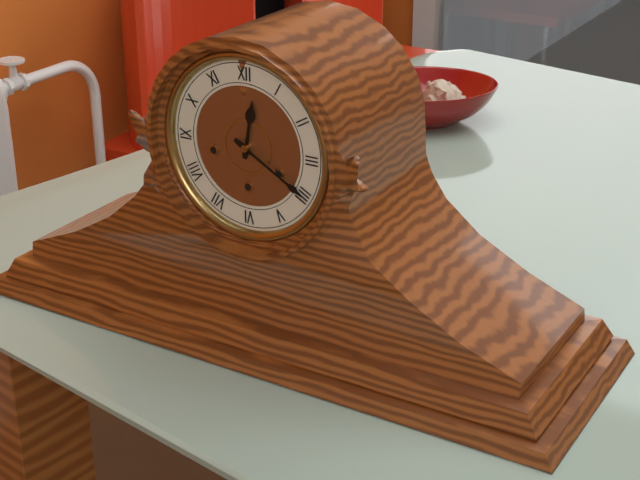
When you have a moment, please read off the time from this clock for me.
12:20
